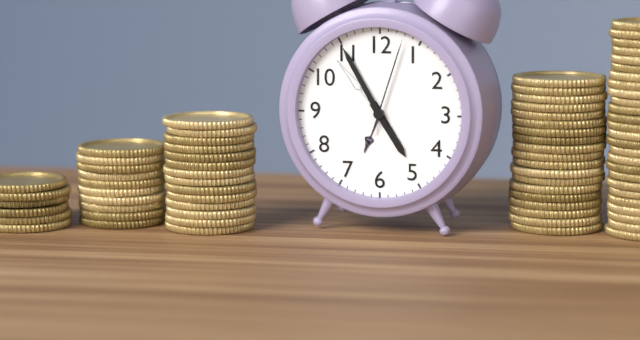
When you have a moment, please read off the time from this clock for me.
4:55:03
